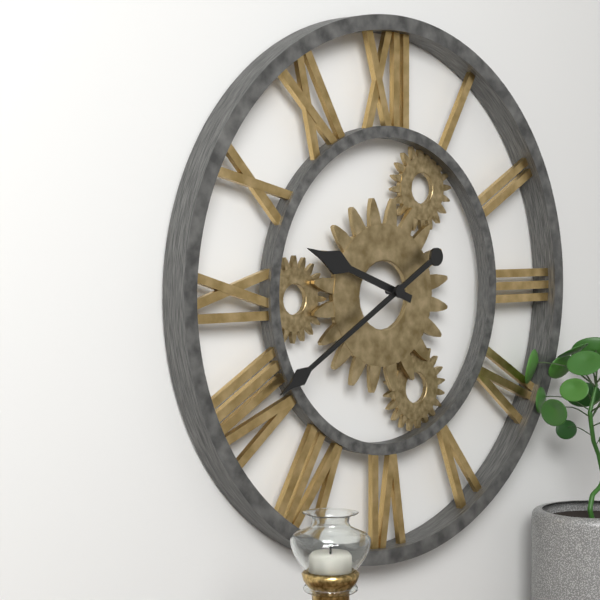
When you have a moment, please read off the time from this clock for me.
9:40
